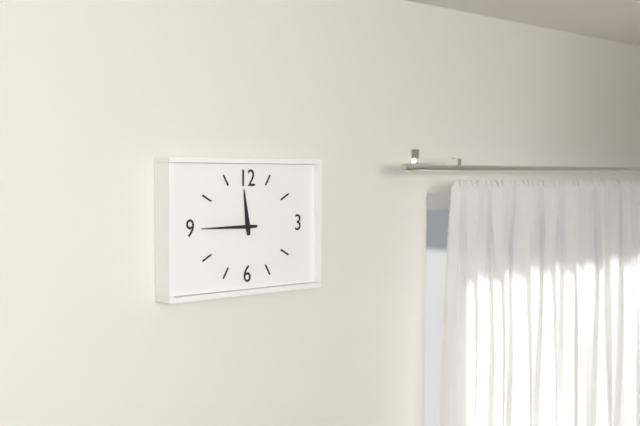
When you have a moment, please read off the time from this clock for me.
11:45
